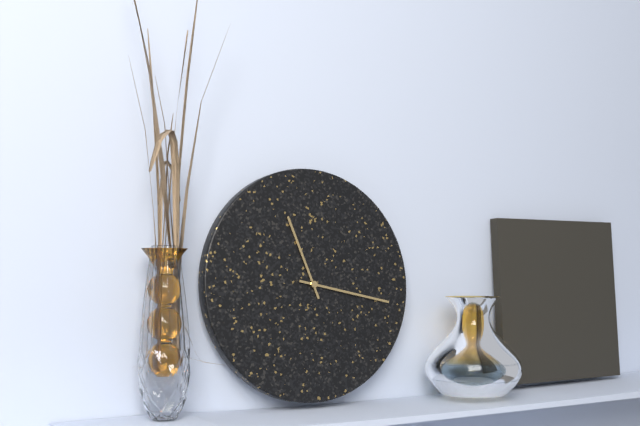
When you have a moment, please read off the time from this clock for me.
11:17
